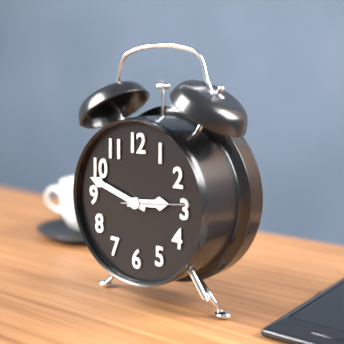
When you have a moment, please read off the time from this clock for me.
2:48:14
